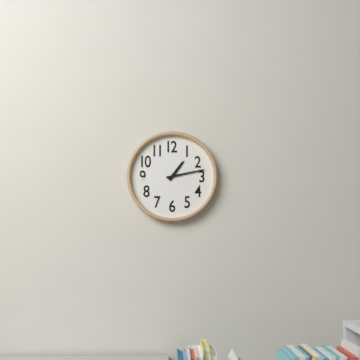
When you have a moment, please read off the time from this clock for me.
1:13
